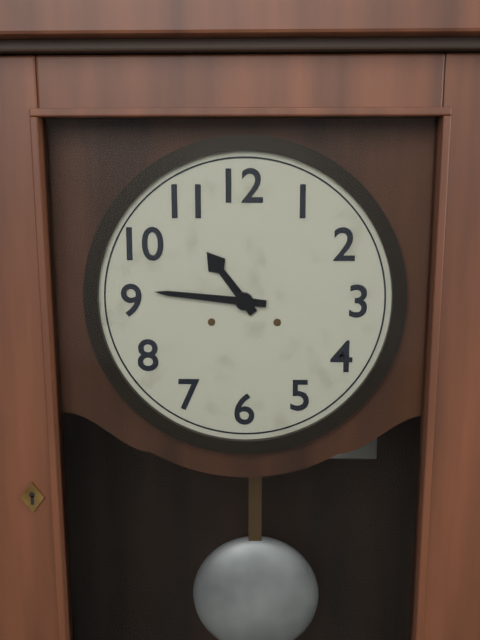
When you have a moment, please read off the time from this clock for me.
10:46
